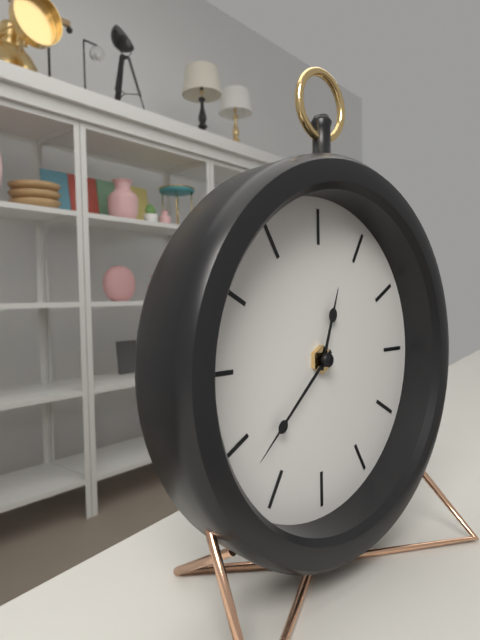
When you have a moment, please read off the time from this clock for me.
12:38
